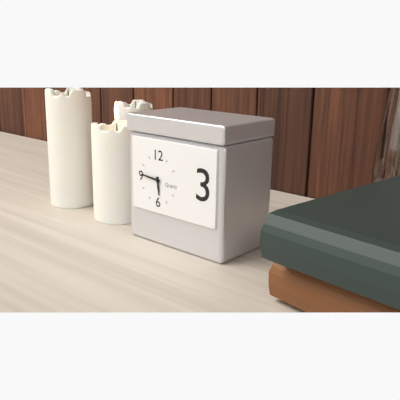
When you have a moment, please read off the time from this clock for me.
5:46
